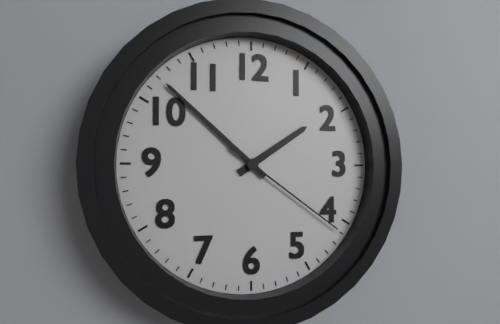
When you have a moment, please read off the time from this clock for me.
1:52:21
